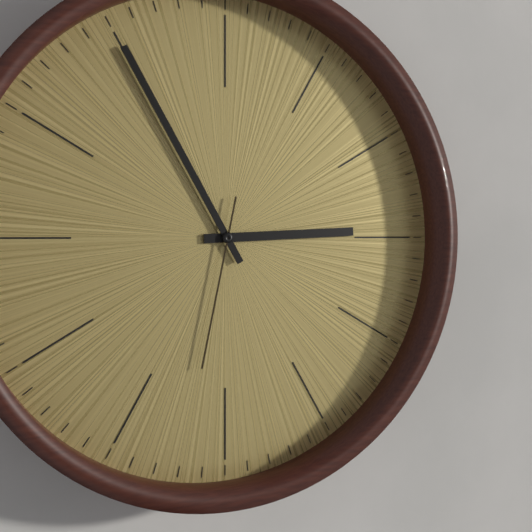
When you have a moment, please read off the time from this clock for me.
2:55:32
